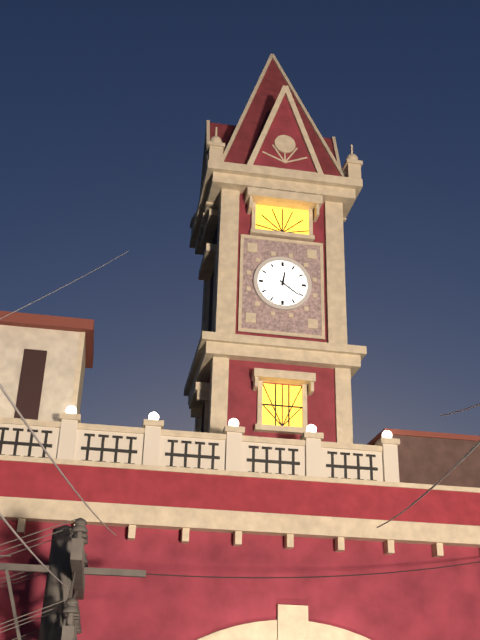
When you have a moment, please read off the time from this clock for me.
12:21
